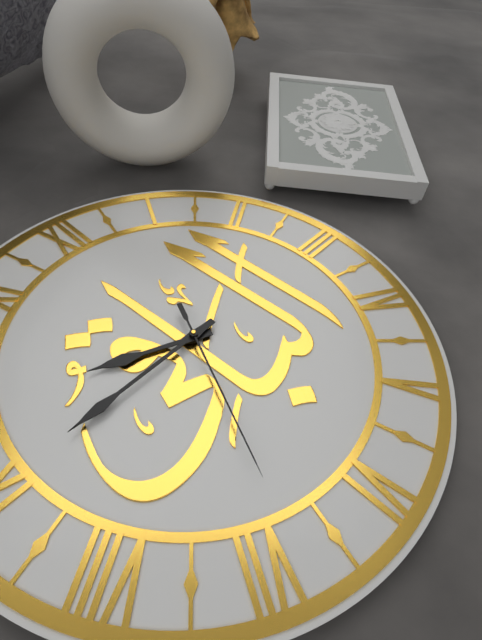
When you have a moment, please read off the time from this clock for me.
9:45:34
